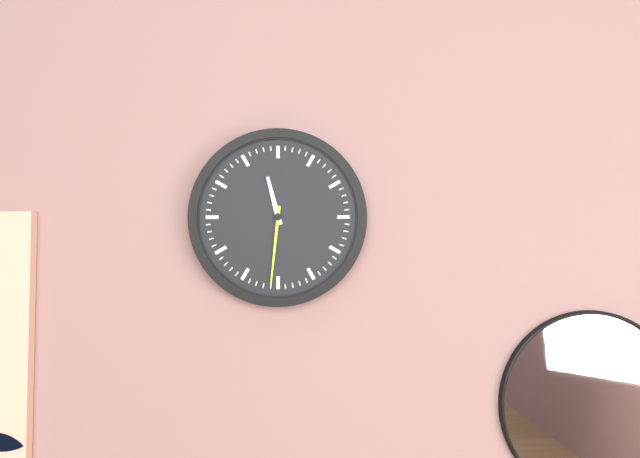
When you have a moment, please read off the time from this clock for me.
11:31
